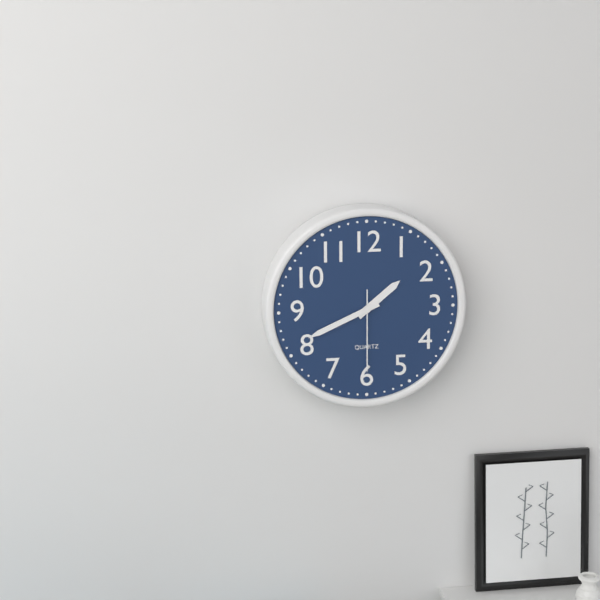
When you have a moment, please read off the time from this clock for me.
1:41:30
